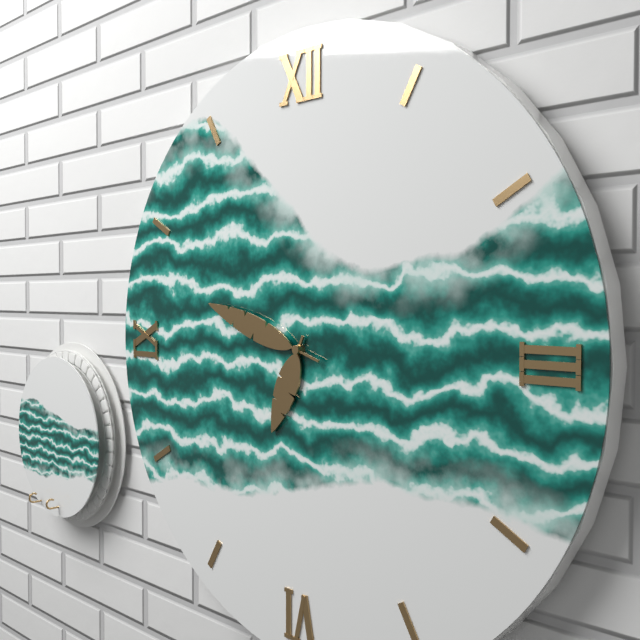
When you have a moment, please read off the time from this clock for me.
6:48
